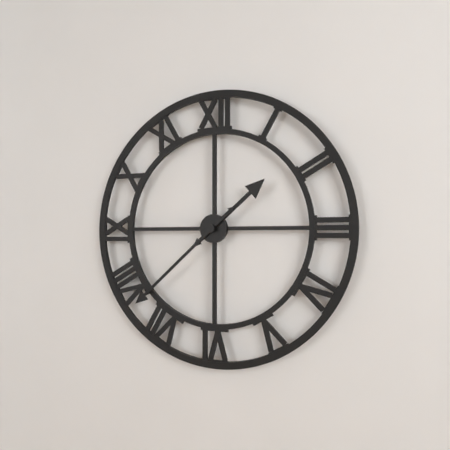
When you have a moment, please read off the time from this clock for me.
1:38
